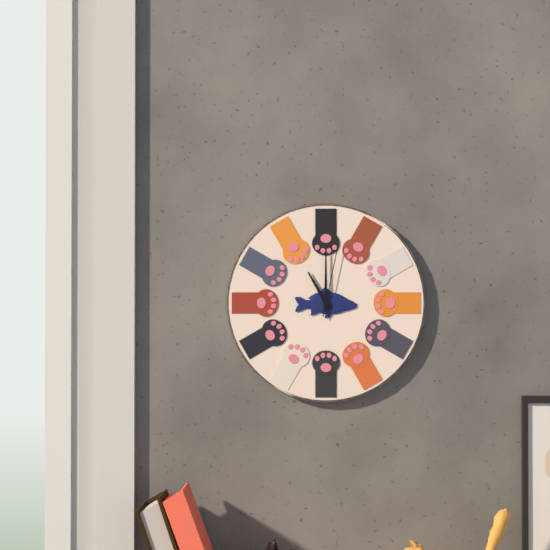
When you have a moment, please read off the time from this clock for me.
11:00:02
